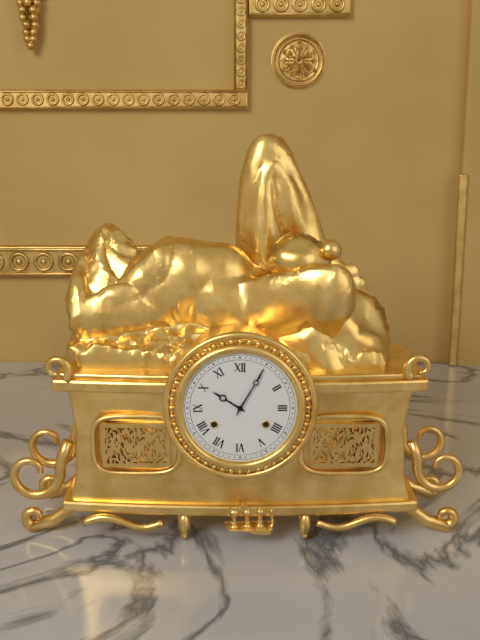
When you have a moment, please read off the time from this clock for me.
10:05
